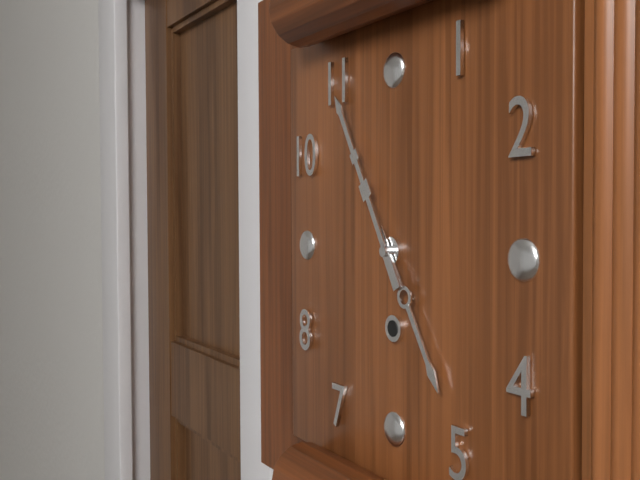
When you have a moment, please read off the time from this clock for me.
4:55
